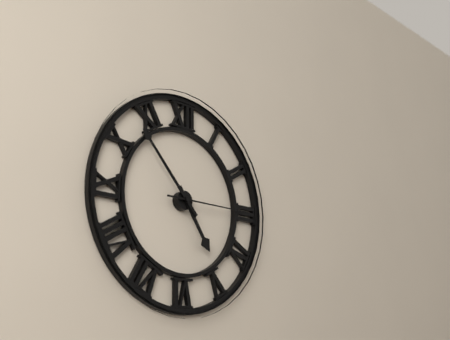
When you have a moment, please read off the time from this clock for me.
4:53:15
